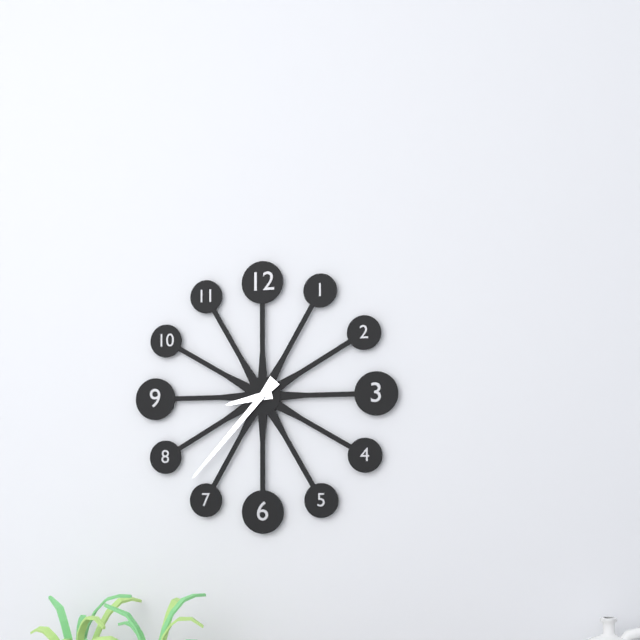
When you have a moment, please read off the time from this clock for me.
8:37
